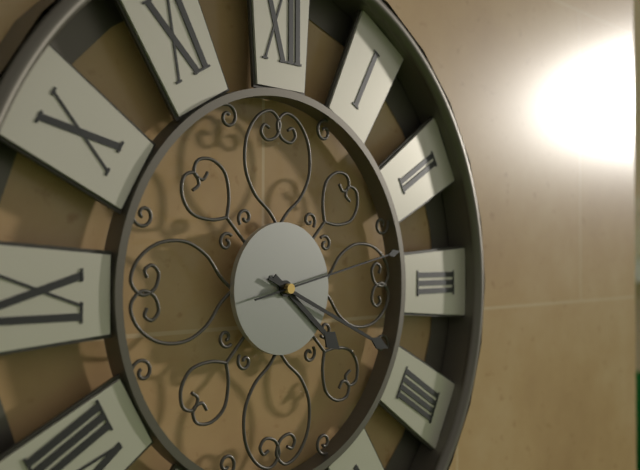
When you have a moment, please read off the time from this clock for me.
4:19:13
